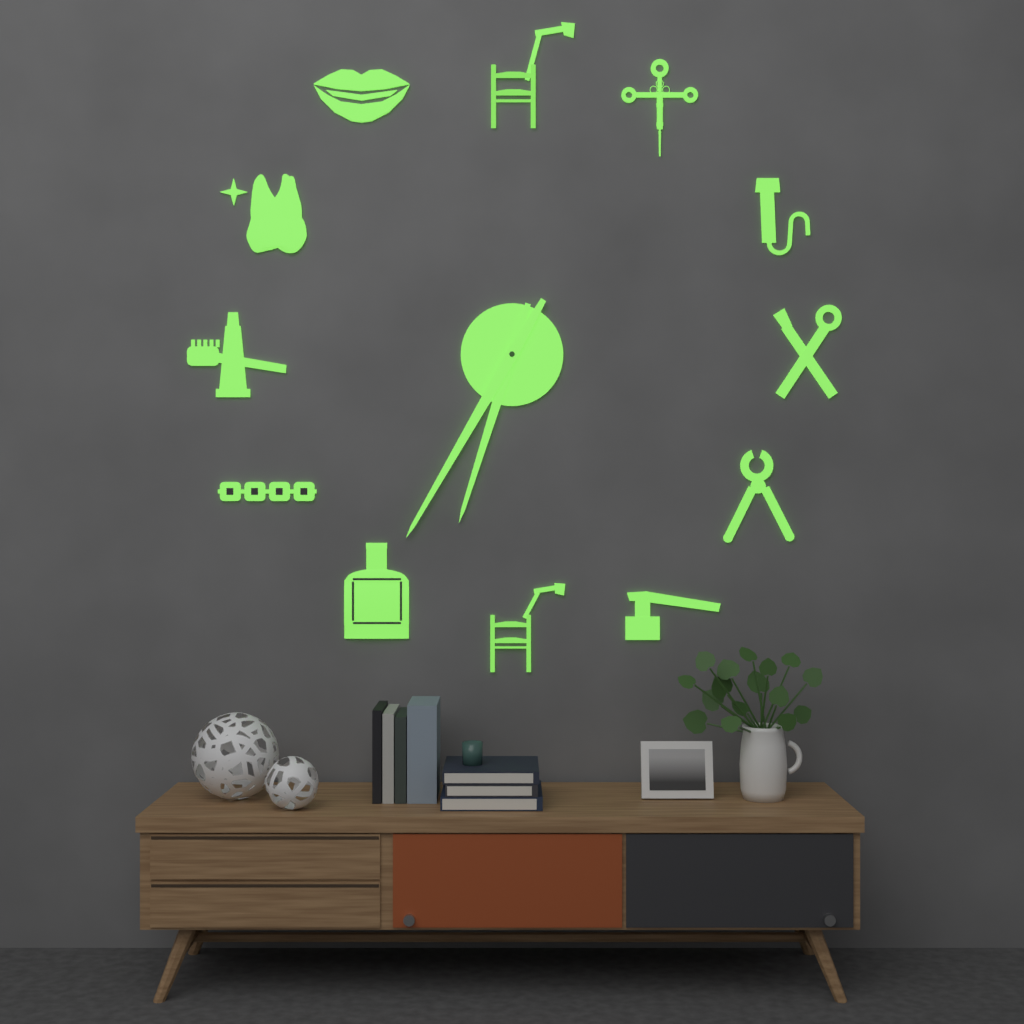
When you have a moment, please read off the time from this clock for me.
6:35
